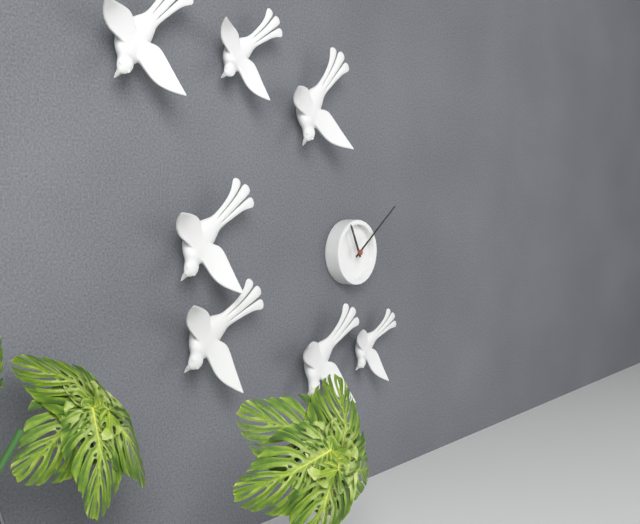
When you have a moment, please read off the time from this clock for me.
11:09
